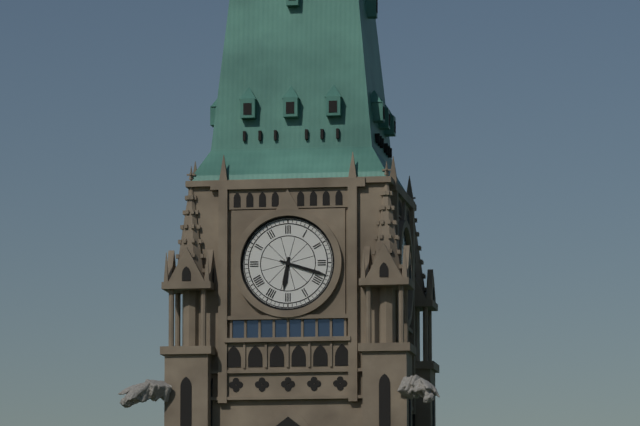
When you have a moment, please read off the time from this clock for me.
6:18
